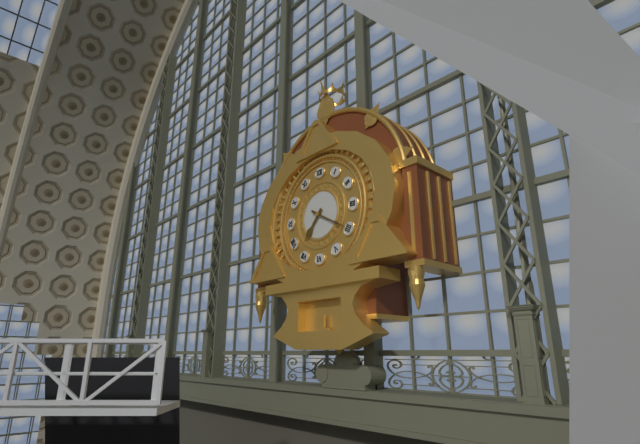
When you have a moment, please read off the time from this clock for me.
7:20
